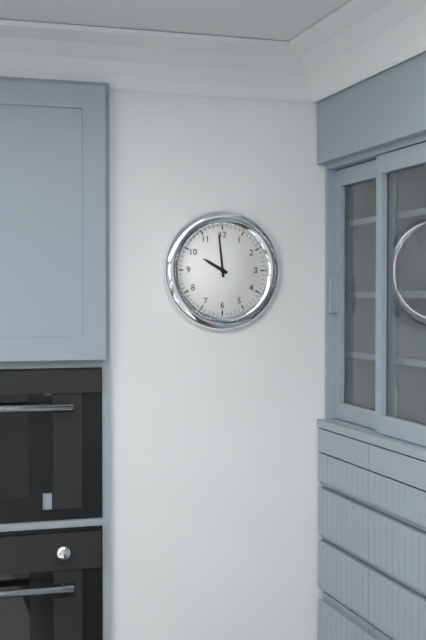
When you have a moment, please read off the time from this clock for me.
9:59
